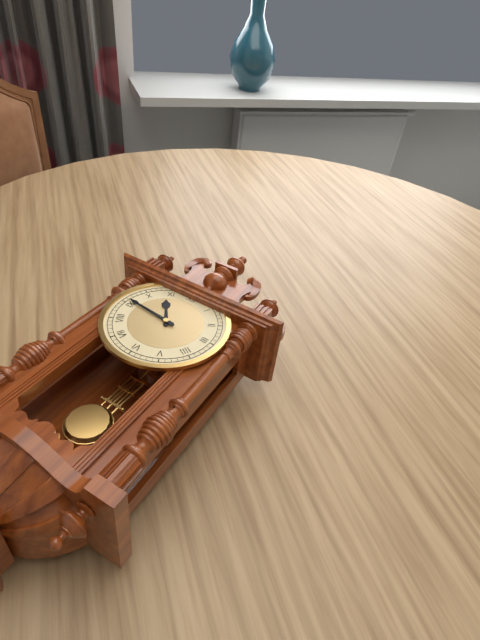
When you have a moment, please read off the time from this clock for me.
10:46
